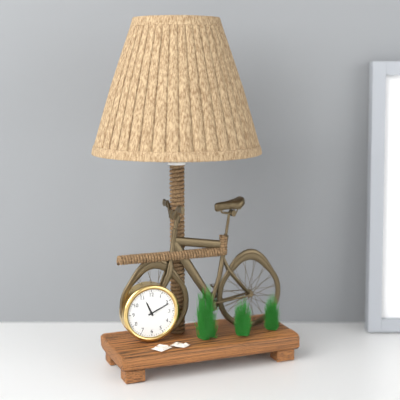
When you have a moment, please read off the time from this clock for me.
11:11
